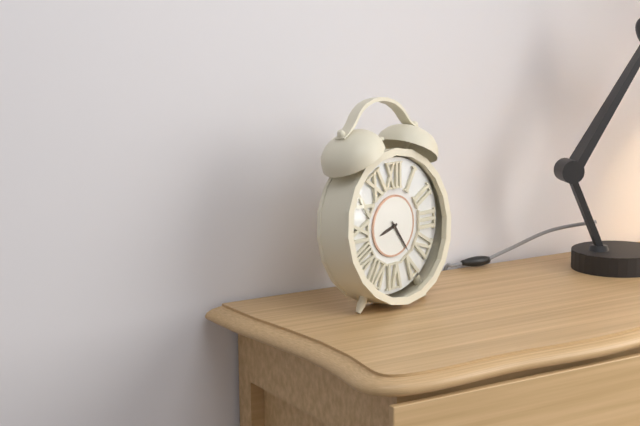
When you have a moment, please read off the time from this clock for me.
8:24
